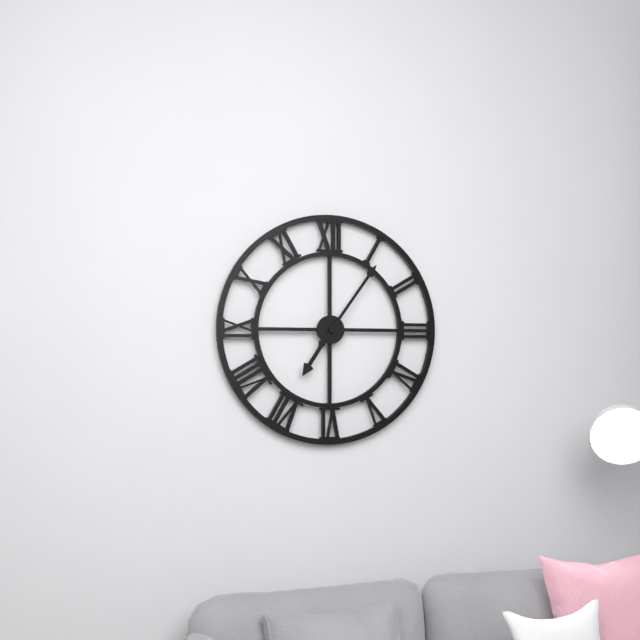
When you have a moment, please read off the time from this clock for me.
7:06
